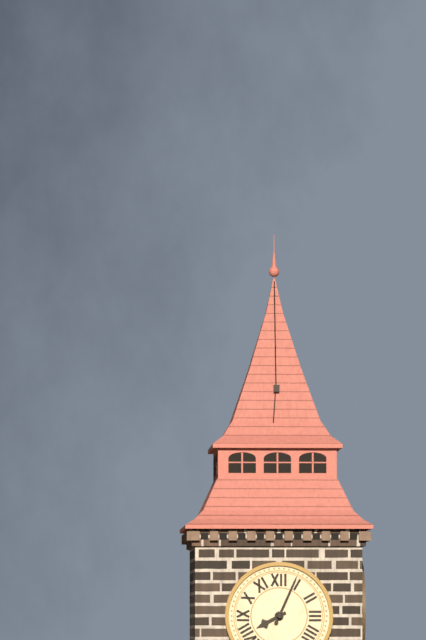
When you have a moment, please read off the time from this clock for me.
8:04
